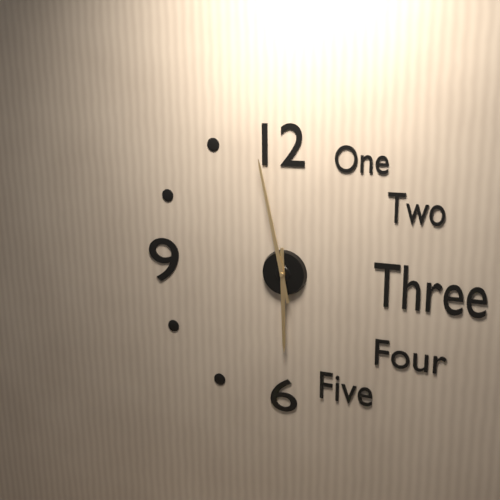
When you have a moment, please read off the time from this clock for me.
5:58
